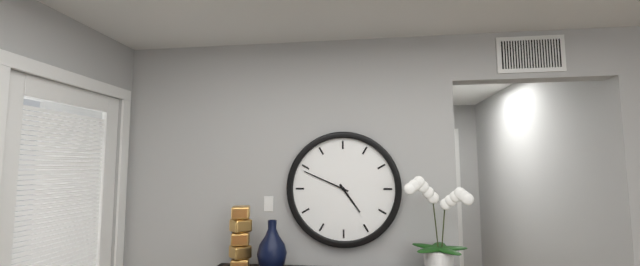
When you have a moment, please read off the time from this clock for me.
4:49
